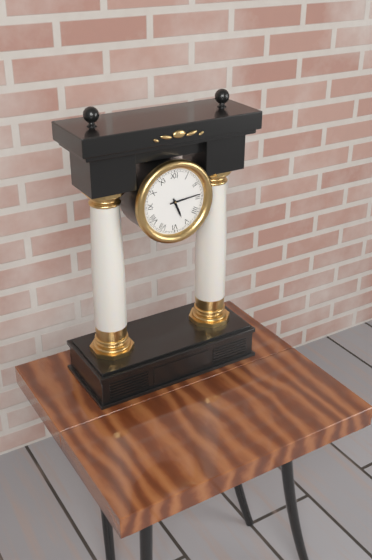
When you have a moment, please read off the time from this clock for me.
5:14
